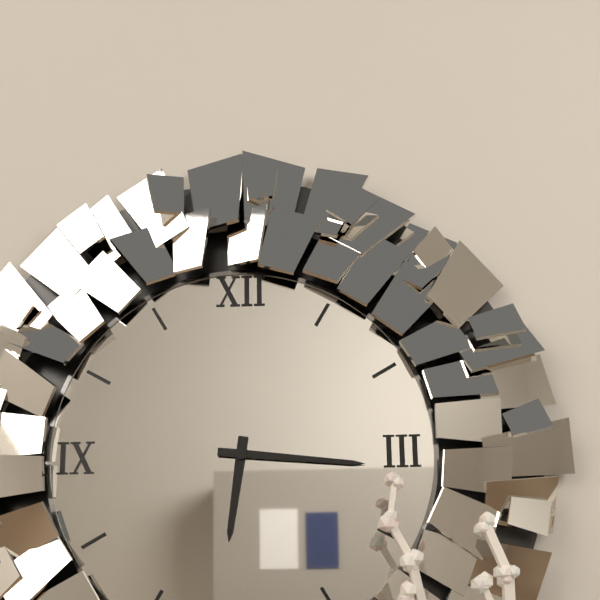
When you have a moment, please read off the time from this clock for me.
6:16
